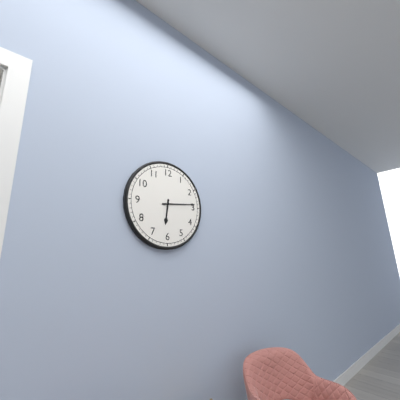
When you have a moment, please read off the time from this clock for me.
6:14
